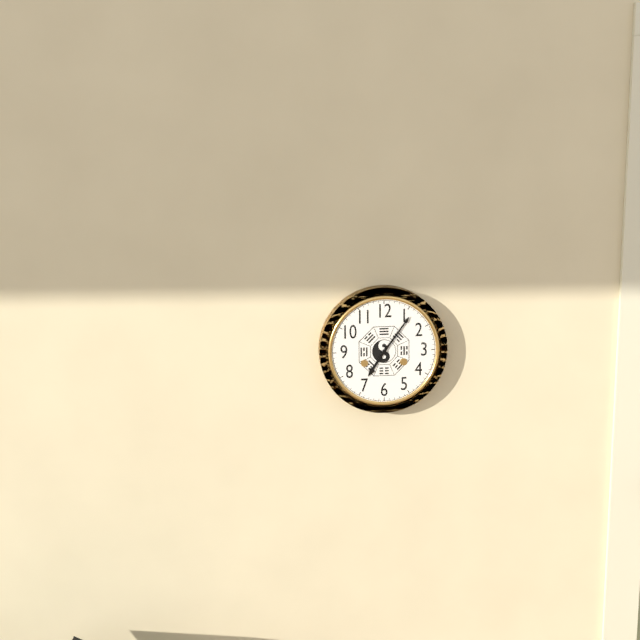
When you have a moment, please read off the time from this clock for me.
7:06
